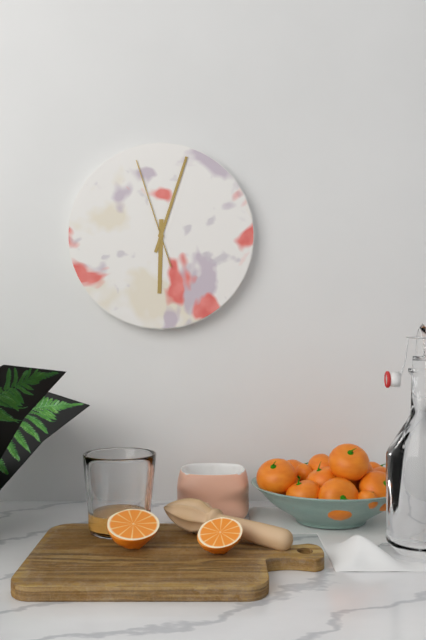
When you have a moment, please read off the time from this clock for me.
6:03:57
